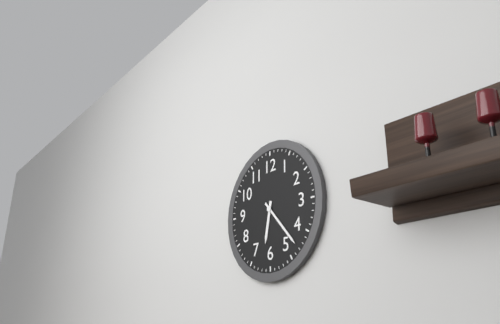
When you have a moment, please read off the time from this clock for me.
6:23
